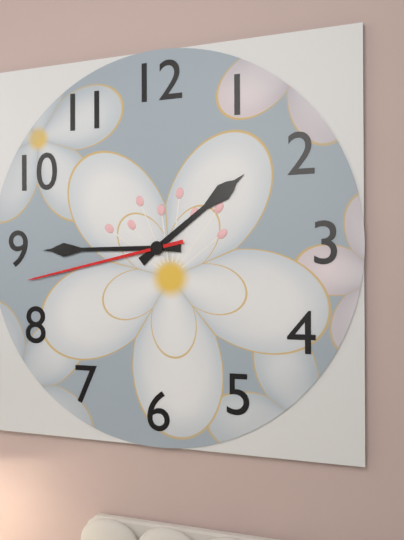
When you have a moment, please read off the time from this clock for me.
1:45:43
